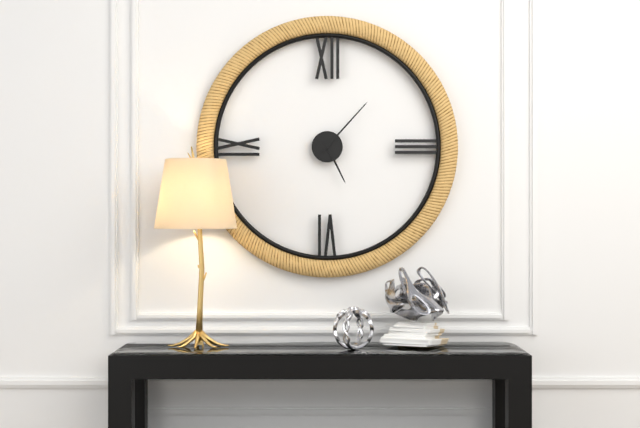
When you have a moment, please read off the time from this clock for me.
5:07
